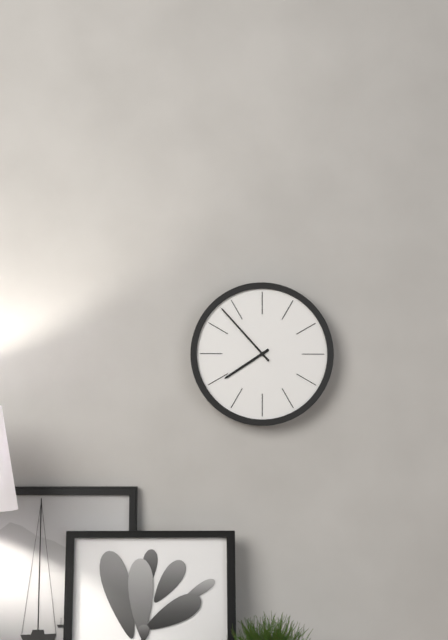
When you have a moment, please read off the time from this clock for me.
7:53
